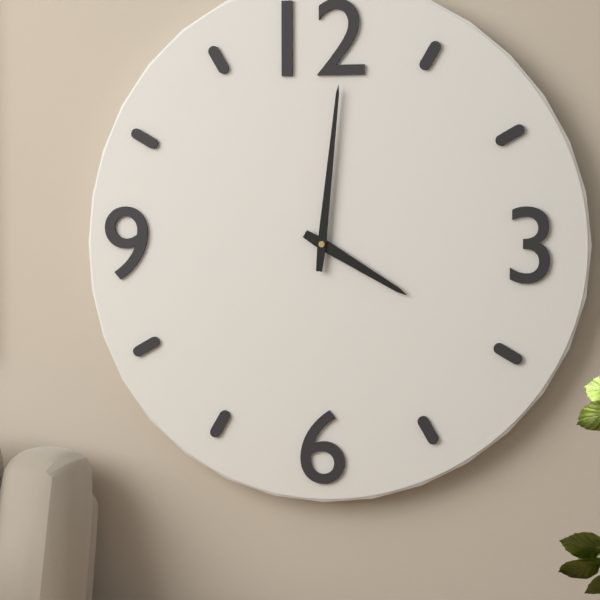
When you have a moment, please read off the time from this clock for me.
4:01
